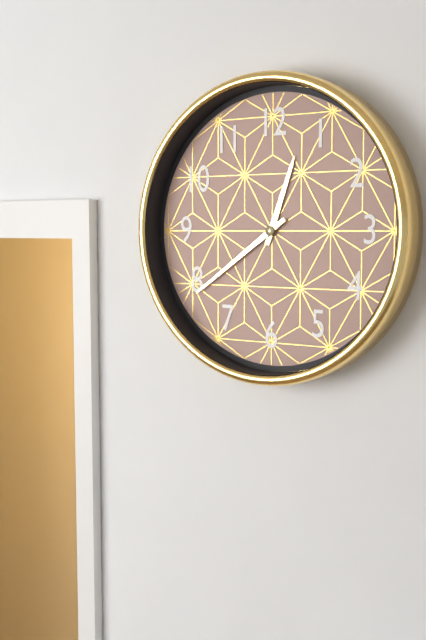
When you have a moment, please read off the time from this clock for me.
12:39
